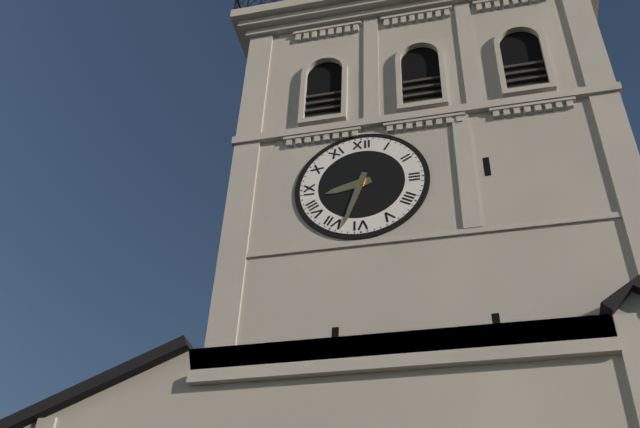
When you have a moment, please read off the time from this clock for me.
8:33
